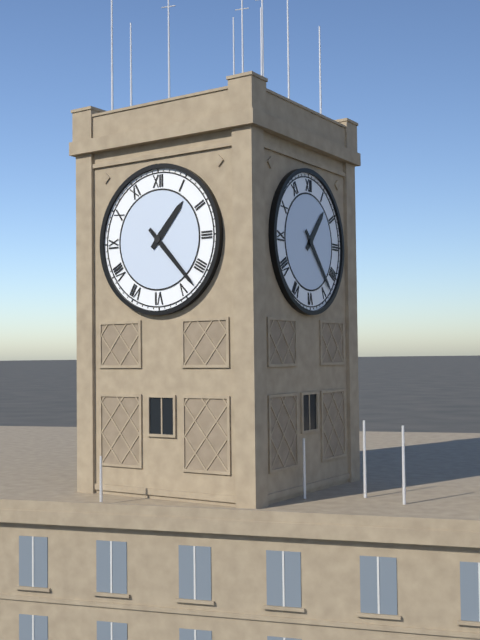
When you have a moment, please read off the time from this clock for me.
1:23
